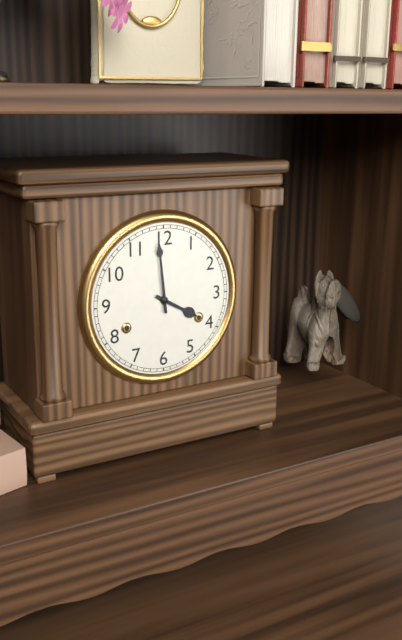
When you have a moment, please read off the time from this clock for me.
3:59
